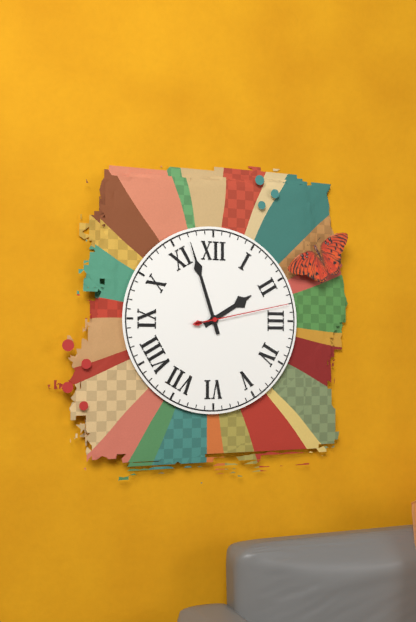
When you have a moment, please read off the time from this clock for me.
1:57:13
